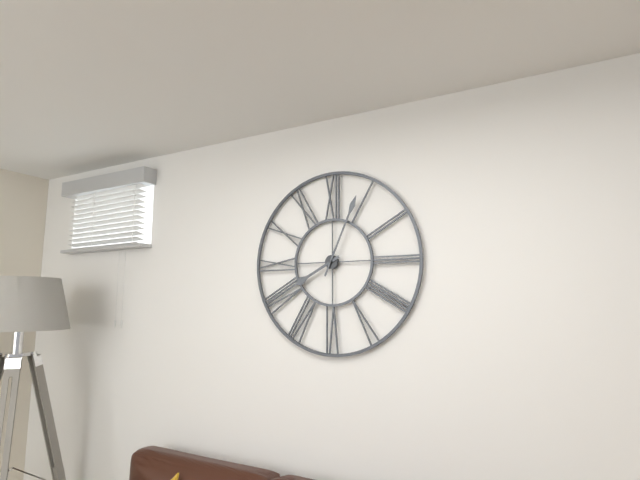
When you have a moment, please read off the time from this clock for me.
8:04
